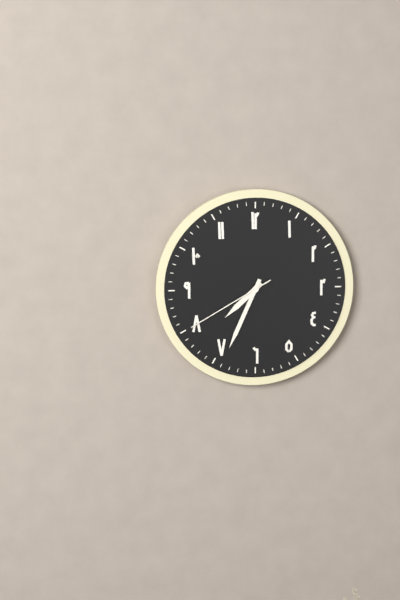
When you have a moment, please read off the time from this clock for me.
7:34:40
